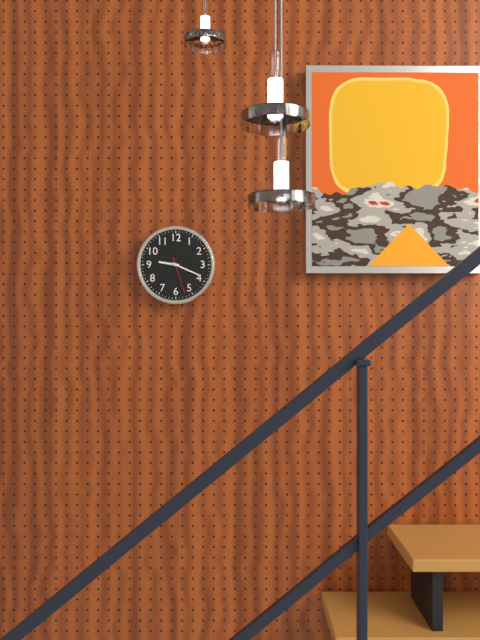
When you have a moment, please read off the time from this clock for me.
9:19
